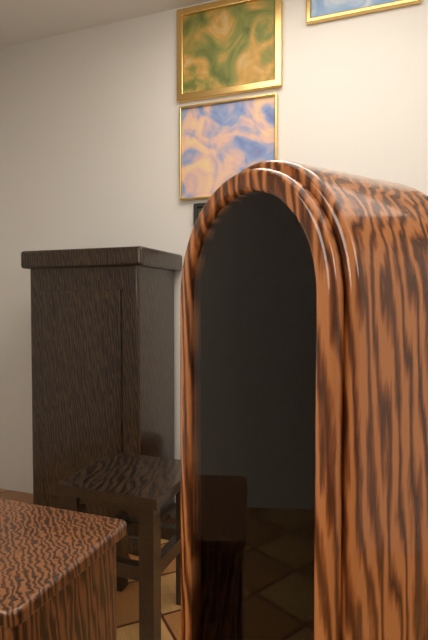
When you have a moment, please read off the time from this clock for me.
4:14
